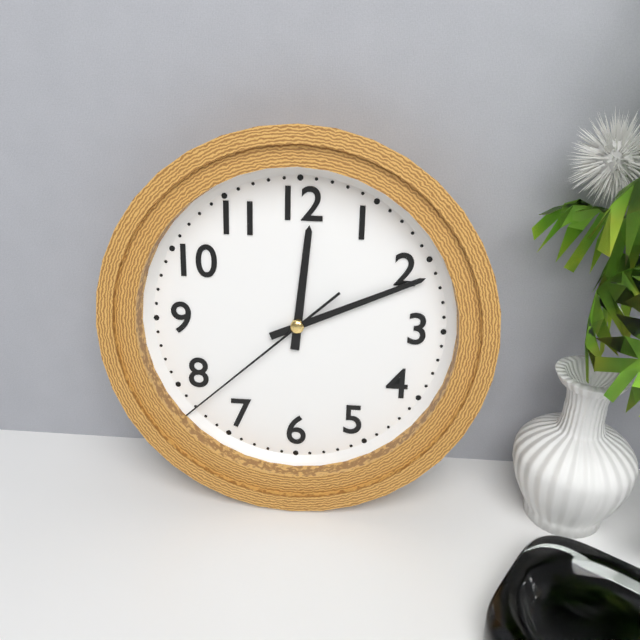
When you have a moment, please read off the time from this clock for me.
12:11:38
